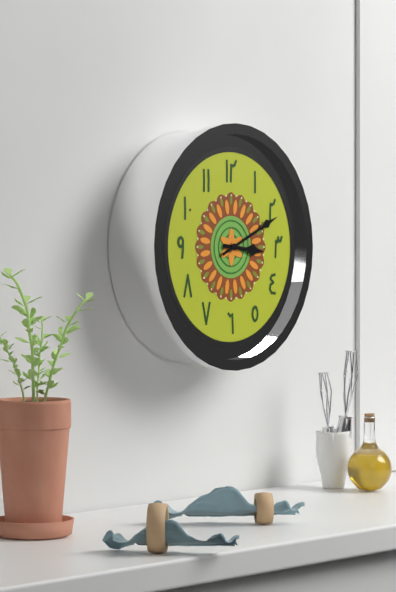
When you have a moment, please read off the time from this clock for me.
3:11
